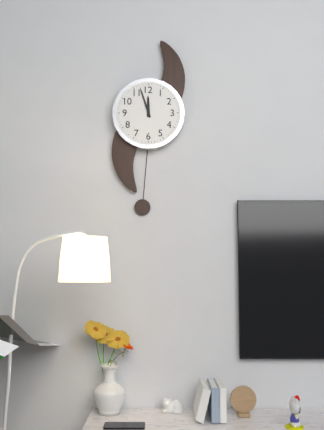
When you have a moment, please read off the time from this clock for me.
11:57
